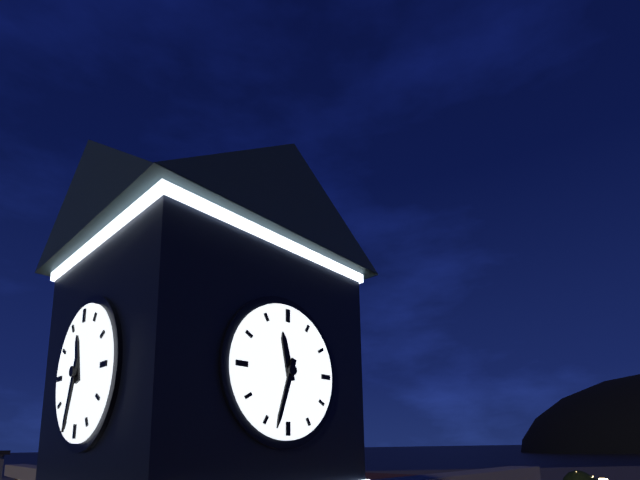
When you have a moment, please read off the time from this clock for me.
11:33
